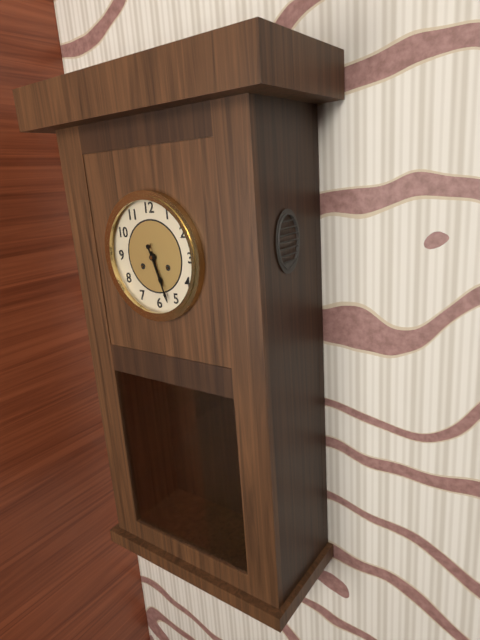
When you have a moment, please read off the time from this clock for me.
5:27
